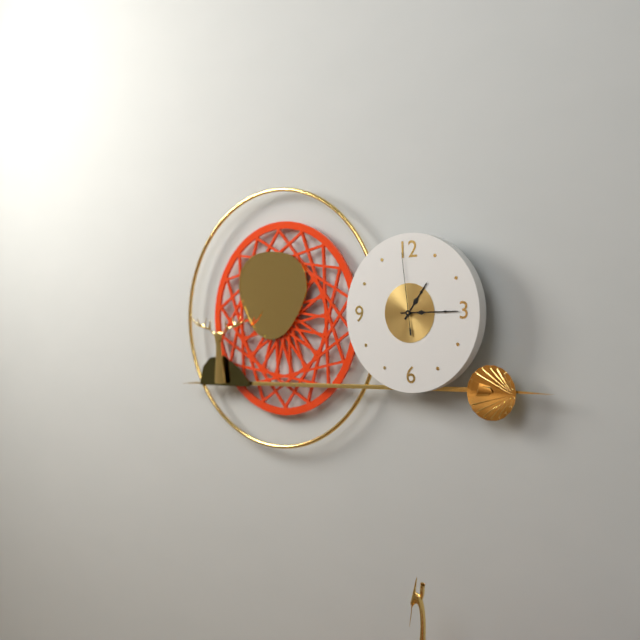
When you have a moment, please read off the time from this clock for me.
1:15:59
